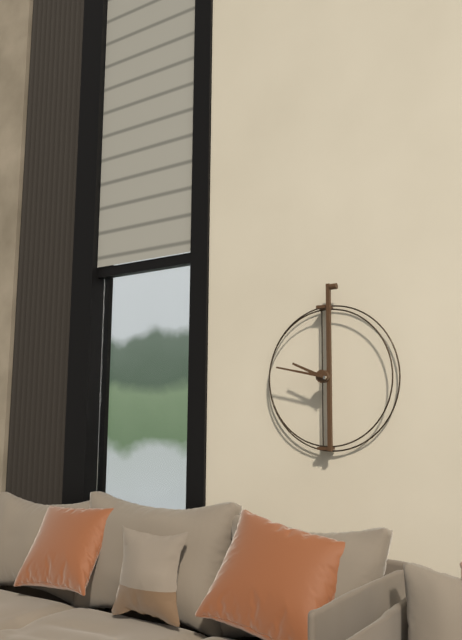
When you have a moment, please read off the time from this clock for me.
9:47
